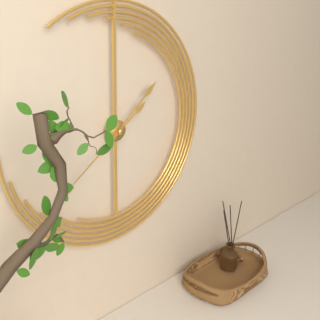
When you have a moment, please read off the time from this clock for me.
1:39
